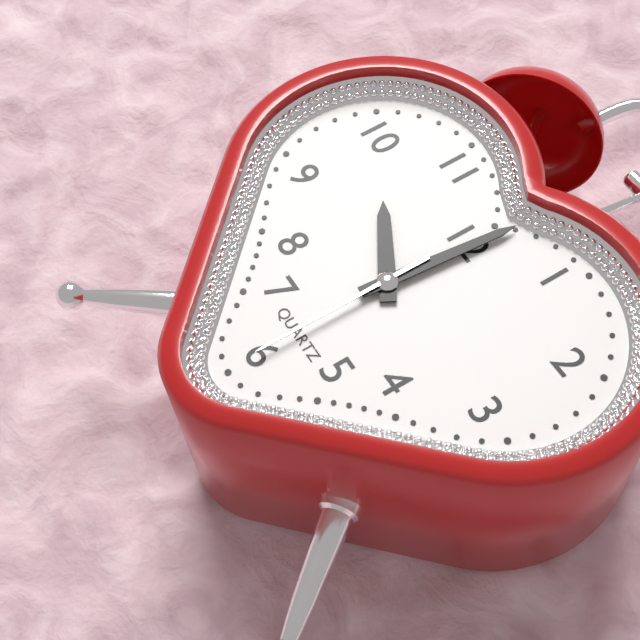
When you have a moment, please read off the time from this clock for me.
10:01:30
